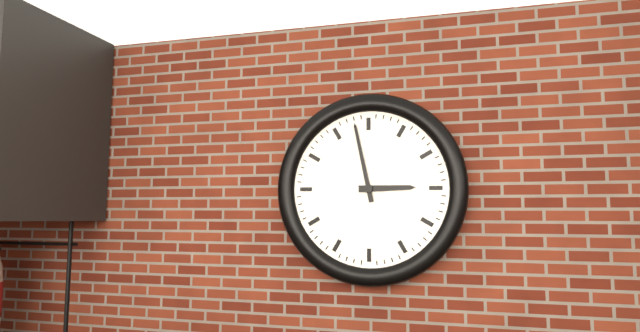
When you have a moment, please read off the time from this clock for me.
2:58
